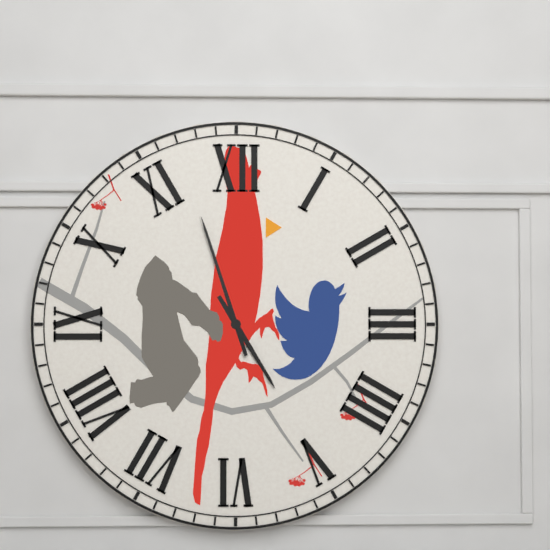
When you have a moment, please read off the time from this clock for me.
4:57
